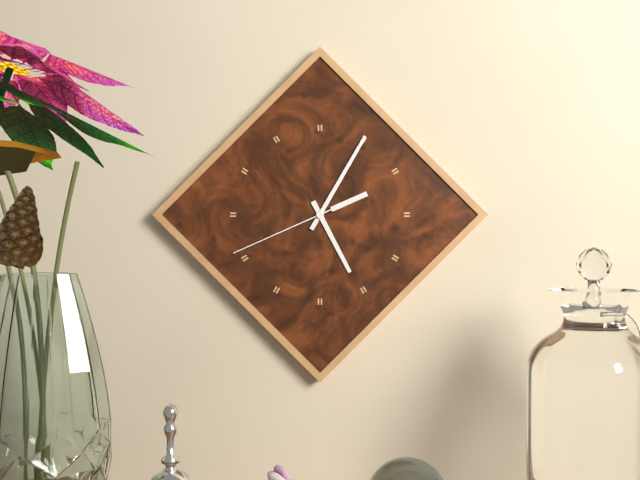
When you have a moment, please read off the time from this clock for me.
5:05:41
